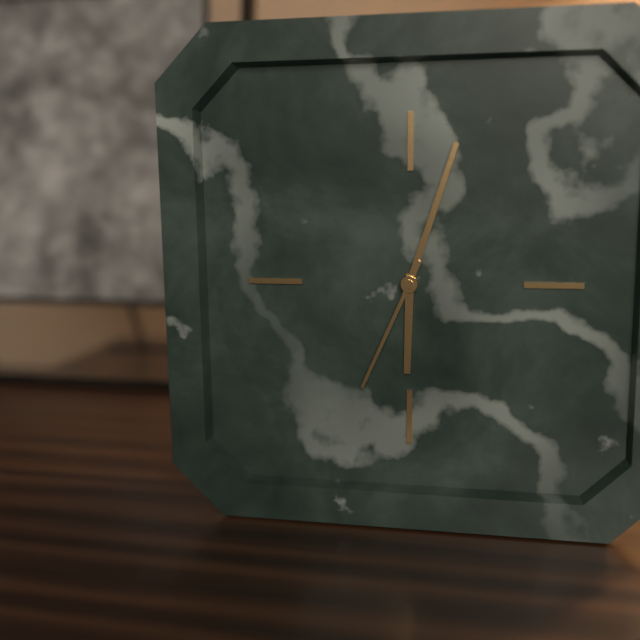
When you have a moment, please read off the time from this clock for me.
6:03:34
